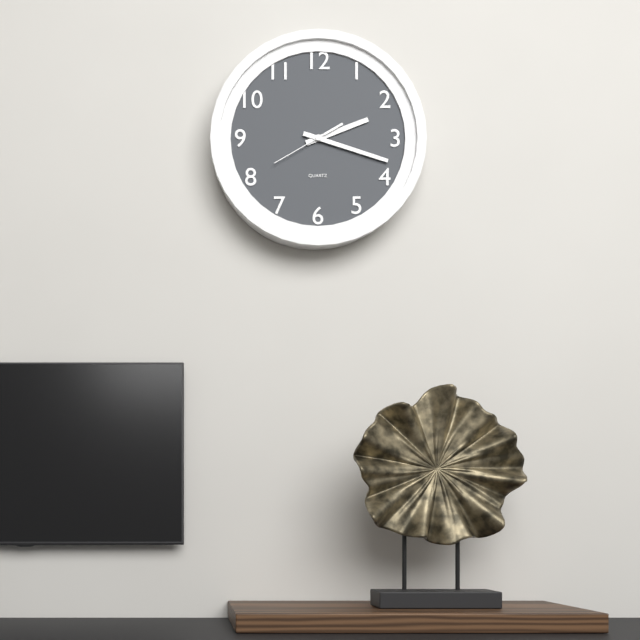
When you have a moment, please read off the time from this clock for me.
2:18:40
